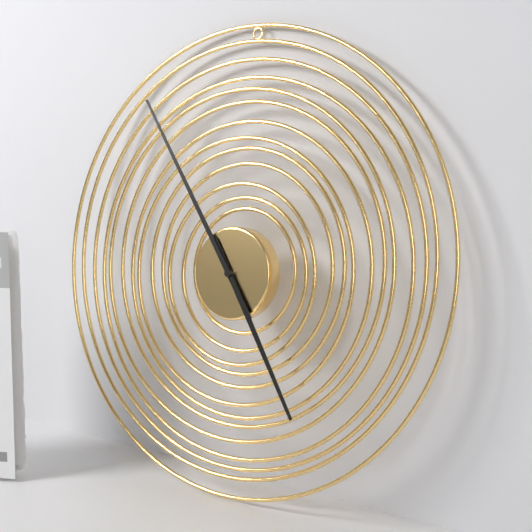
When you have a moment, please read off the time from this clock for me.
4:54
